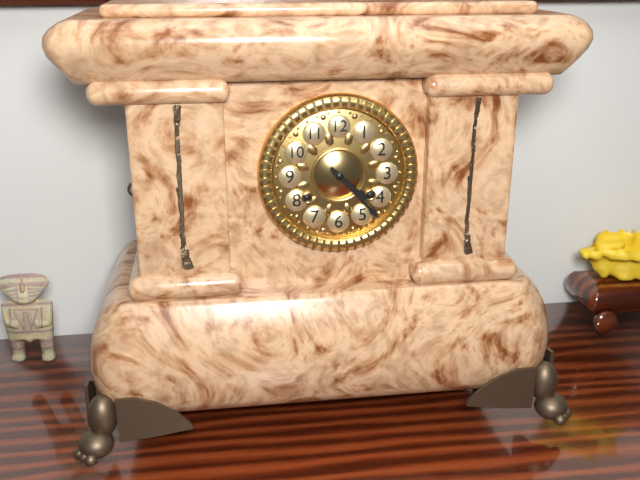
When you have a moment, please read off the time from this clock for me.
4:23
